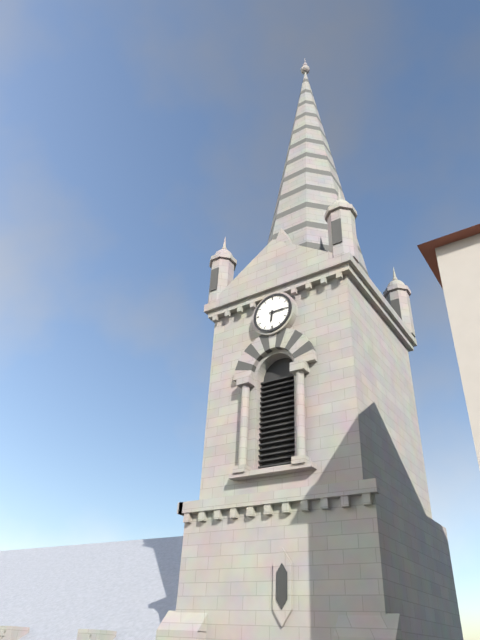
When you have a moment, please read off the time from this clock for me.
6:15
